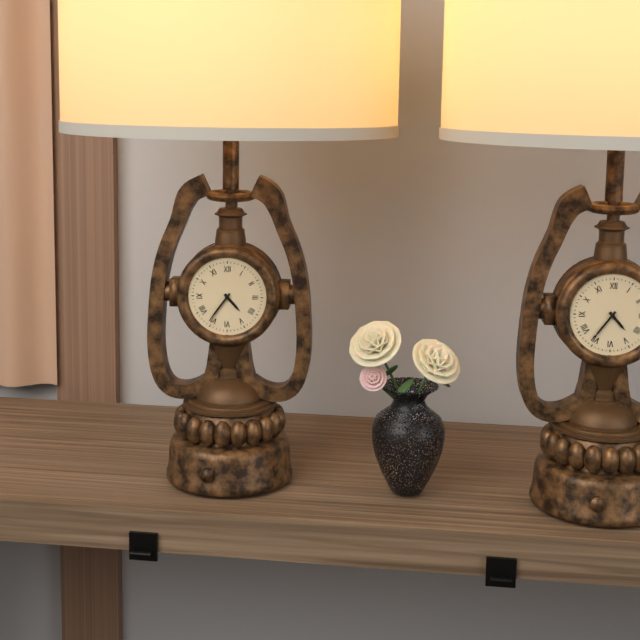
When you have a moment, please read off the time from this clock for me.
4:36
